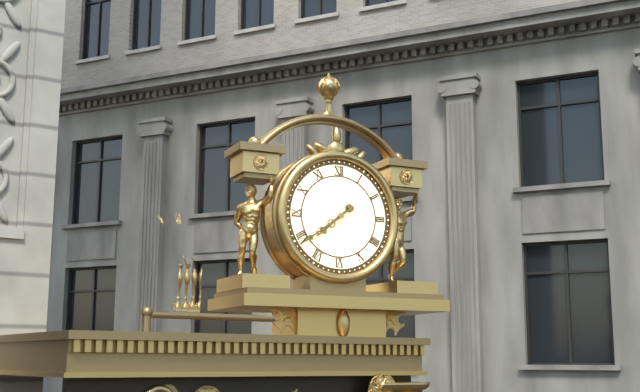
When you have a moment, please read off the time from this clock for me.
7:39
